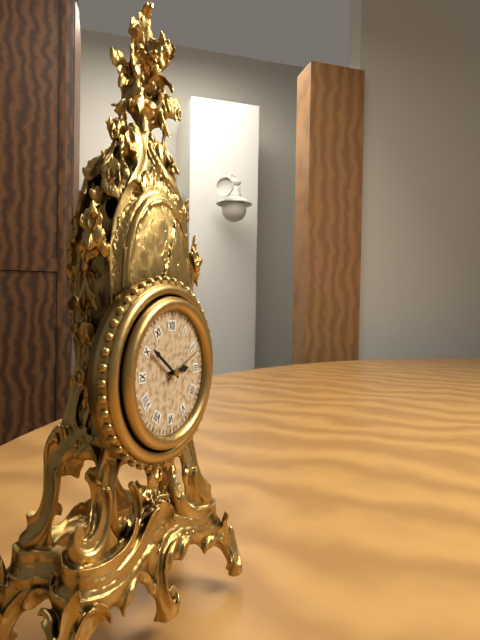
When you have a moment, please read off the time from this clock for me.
2:51
